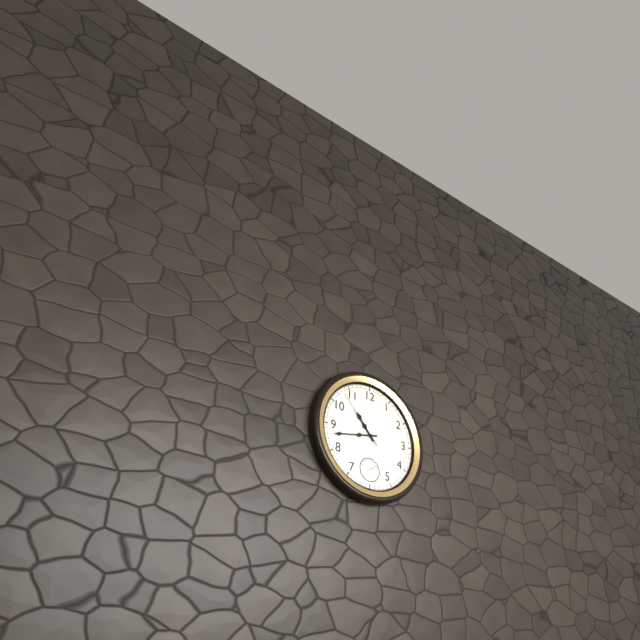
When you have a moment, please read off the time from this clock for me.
10:43:53
